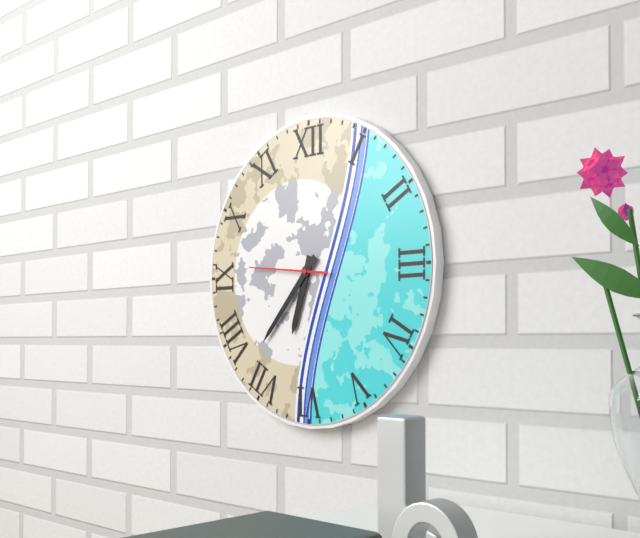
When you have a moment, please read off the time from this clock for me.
6:37:46
